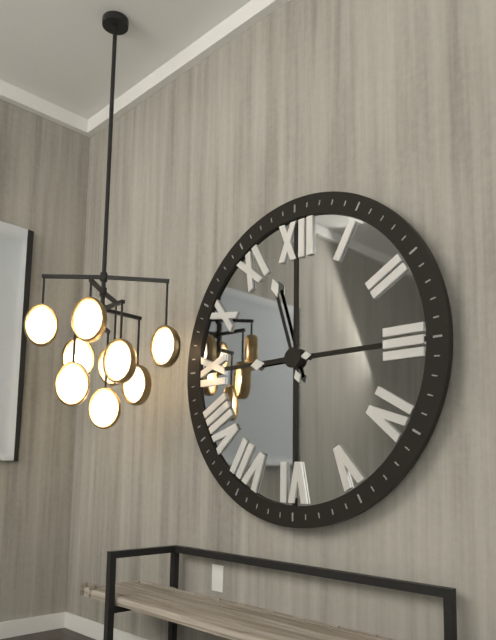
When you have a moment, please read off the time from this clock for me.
8:57
